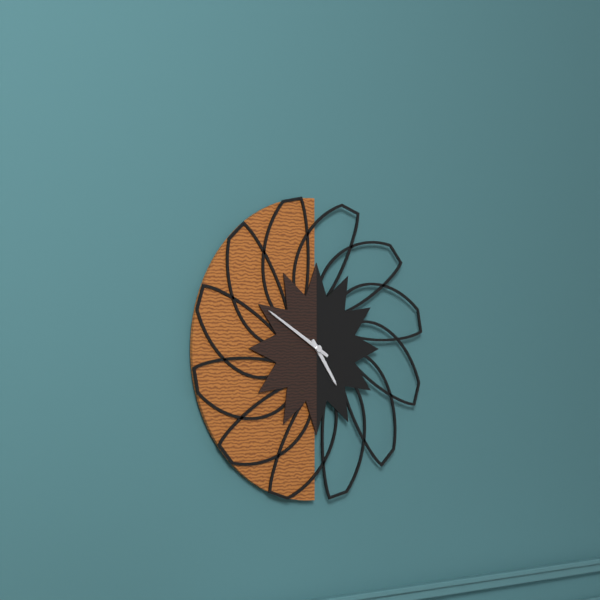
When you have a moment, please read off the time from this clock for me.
4:50
